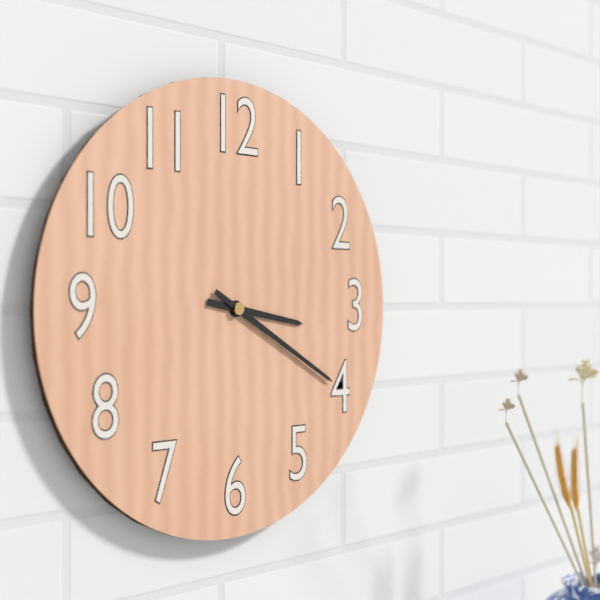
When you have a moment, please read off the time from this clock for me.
3:20
